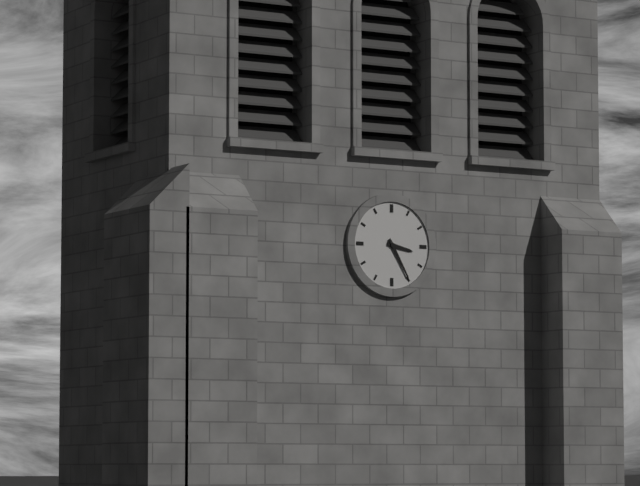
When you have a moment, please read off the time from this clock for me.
3:25
